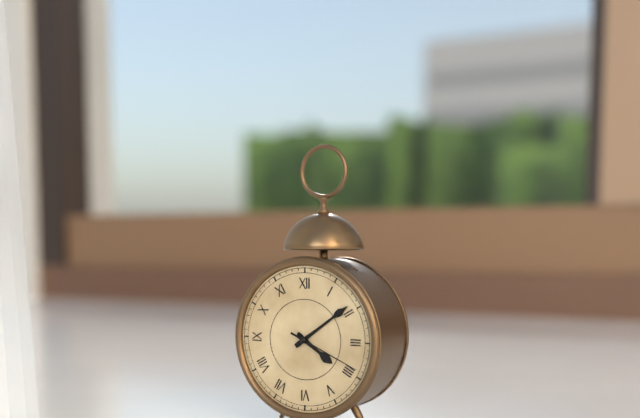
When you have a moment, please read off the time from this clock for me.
4:09:19
